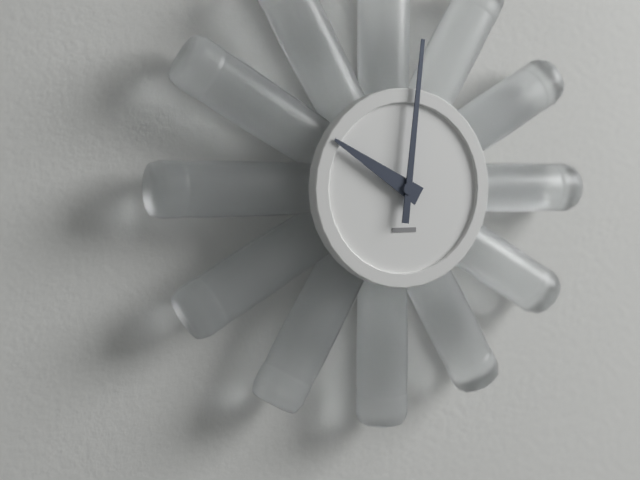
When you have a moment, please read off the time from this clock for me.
10:01
